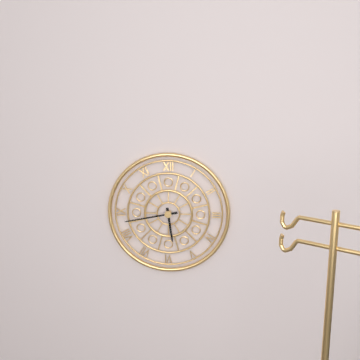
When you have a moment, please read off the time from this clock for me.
5:43
